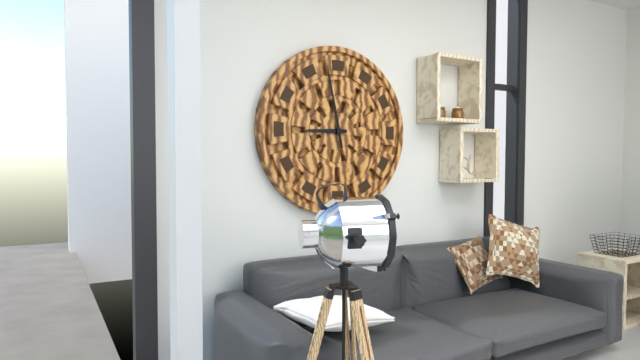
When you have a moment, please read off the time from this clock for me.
8:58
